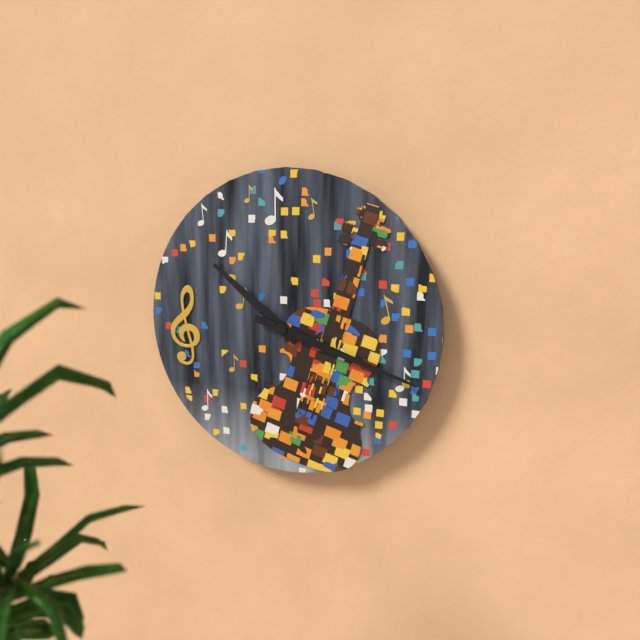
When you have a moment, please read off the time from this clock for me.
10:18
